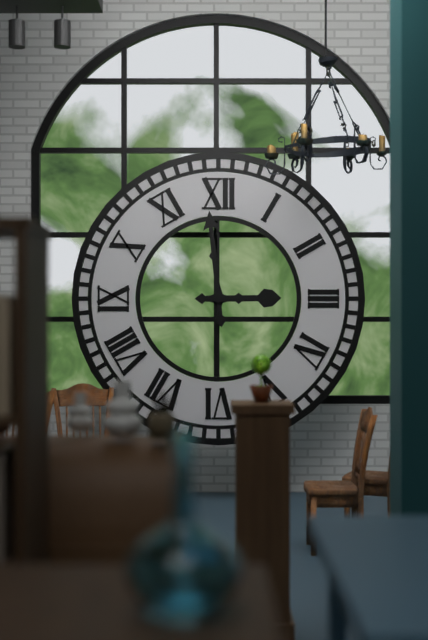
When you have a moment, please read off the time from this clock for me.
2:59
